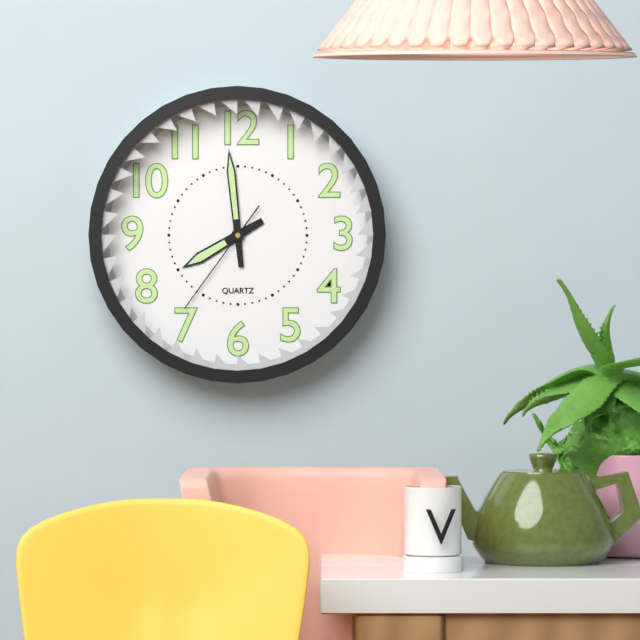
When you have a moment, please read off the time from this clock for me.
7:59:36
